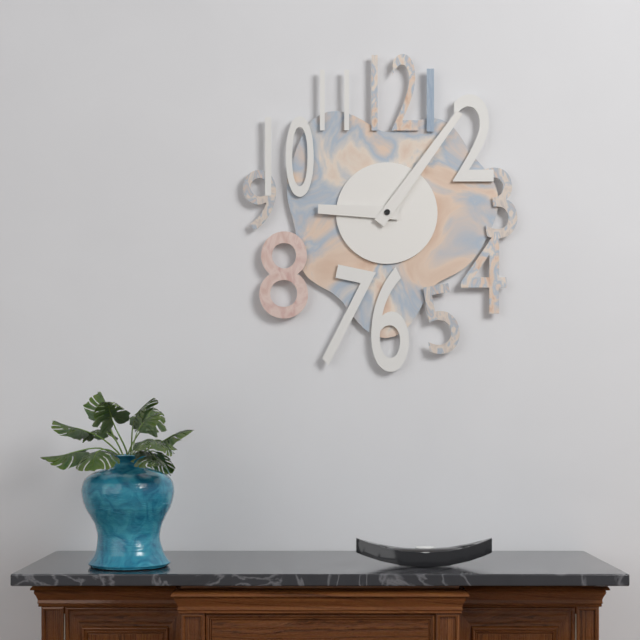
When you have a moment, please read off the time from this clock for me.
9:06
